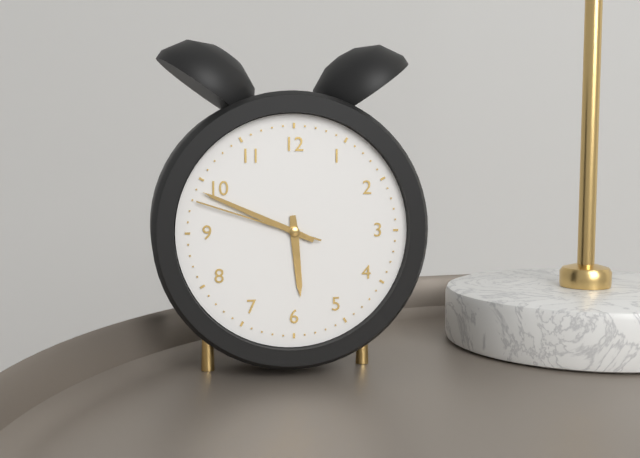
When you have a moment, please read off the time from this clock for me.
5:49:48
